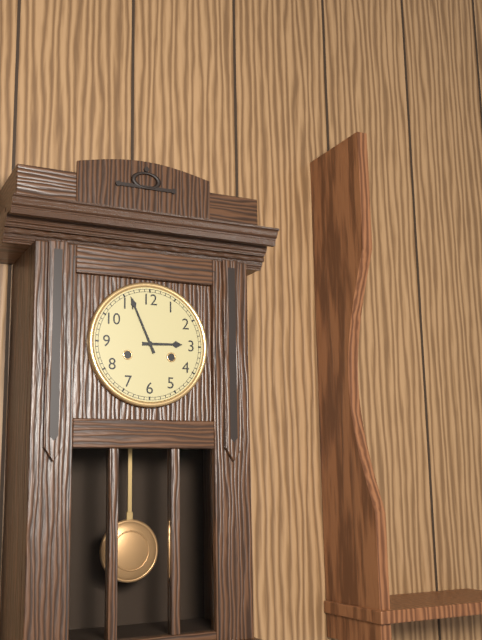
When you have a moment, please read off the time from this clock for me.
2:56
